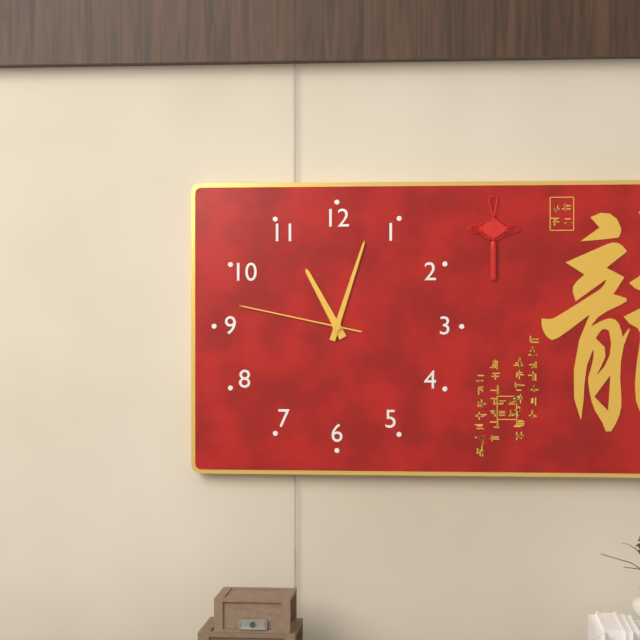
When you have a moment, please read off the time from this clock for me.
11:03:47
